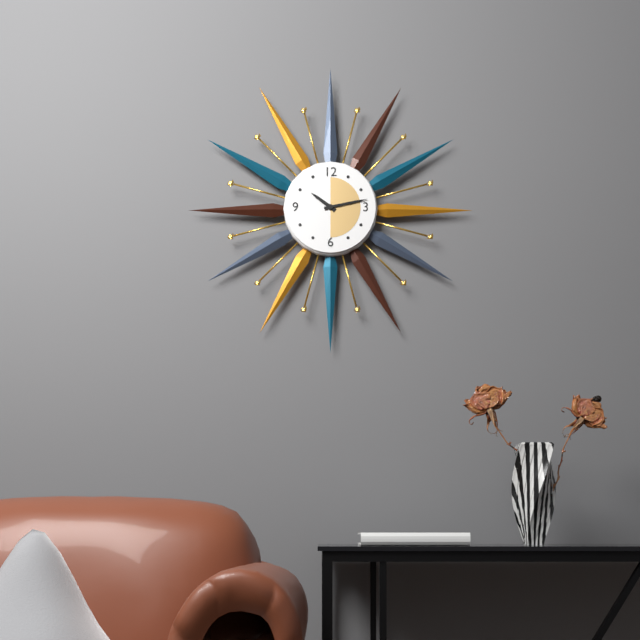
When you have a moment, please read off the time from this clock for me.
10:13
